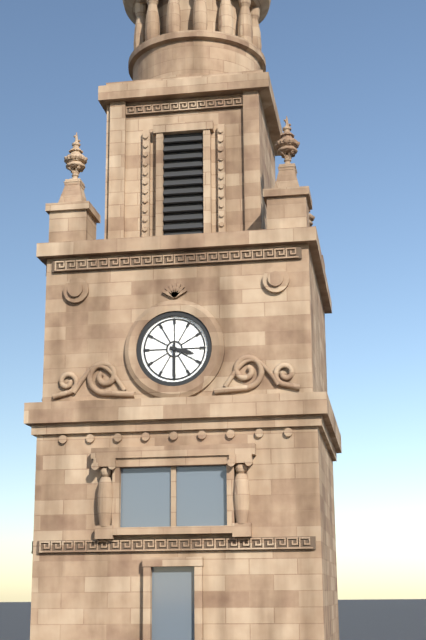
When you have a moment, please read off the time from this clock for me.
3:30
